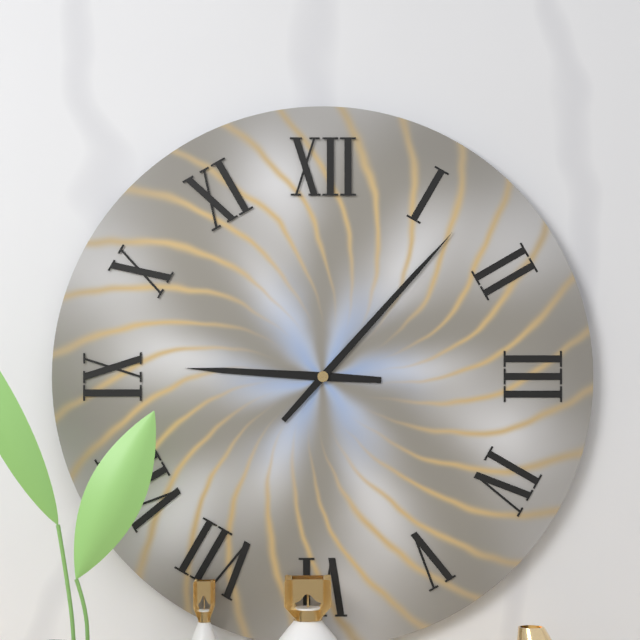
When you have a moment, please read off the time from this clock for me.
9:07
